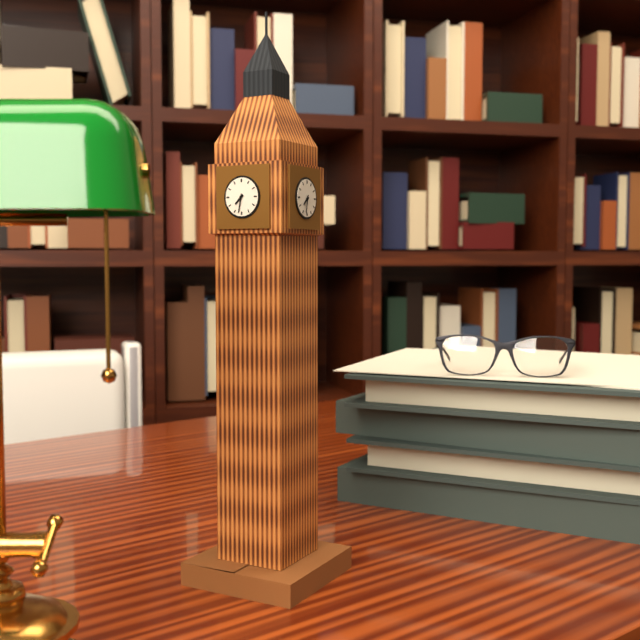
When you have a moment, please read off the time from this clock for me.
7:32
